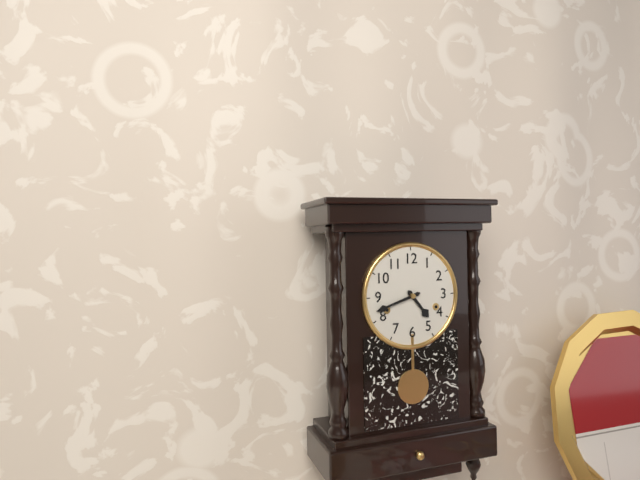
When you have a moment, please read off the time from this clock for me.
4:42
